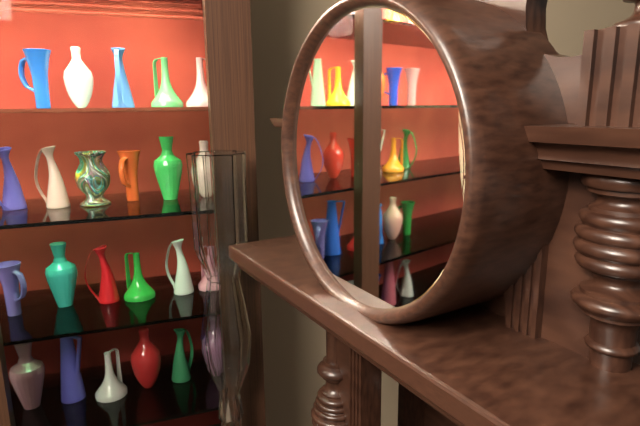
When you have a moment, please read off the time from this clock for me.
4:46
